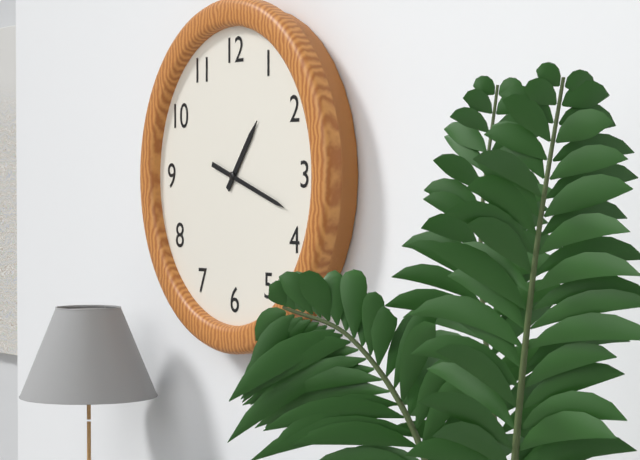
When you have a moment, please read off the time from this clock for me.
1:18
